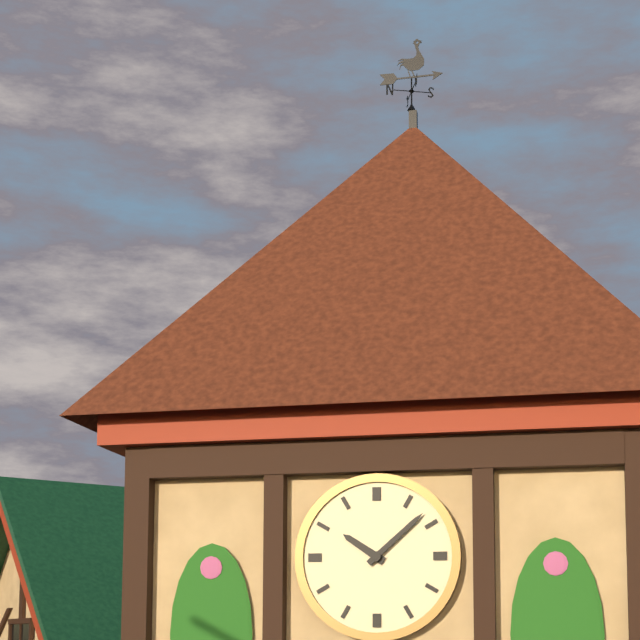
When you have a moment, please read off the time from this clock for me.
10:08
